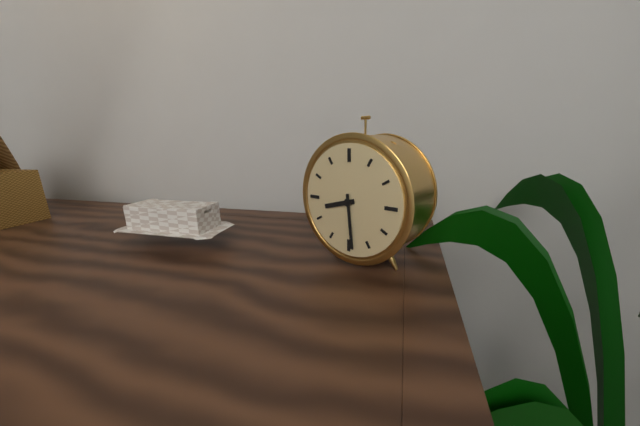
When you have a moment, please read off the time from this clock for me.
8:29
